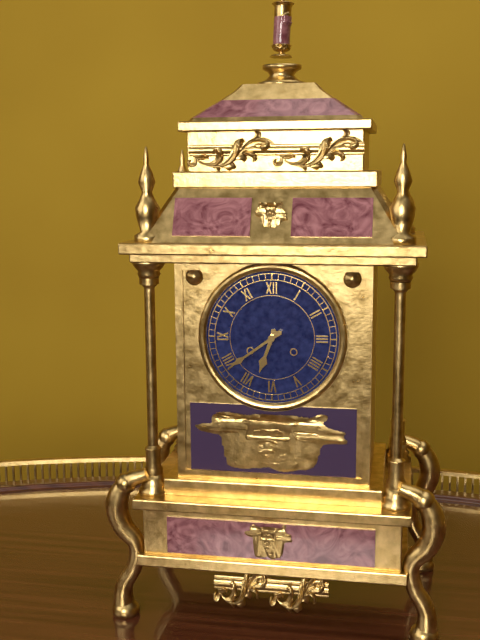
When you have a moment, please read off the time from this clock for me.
6:39
